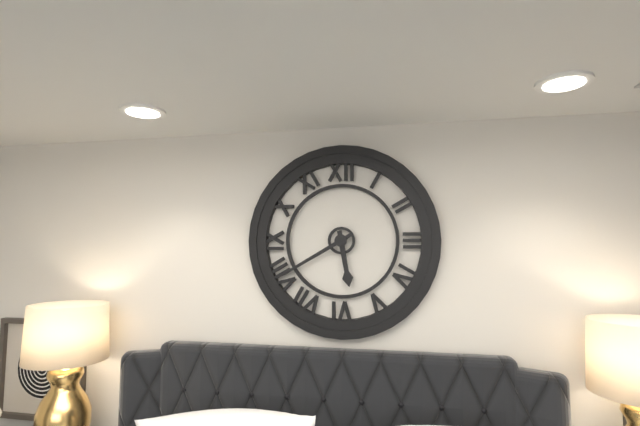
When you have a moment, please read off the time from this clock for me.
5:40
